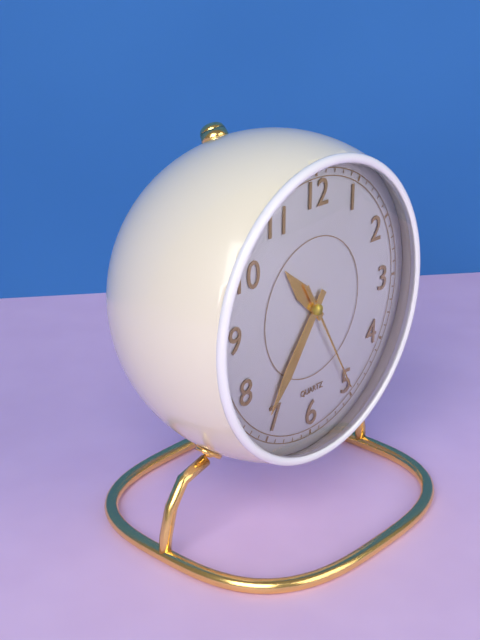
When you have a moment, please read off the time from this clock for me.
10:36:25
